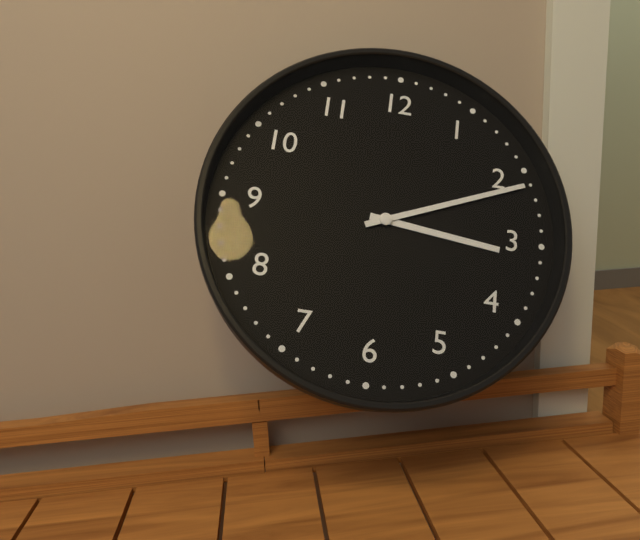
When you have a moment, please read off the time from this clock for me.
3:11
